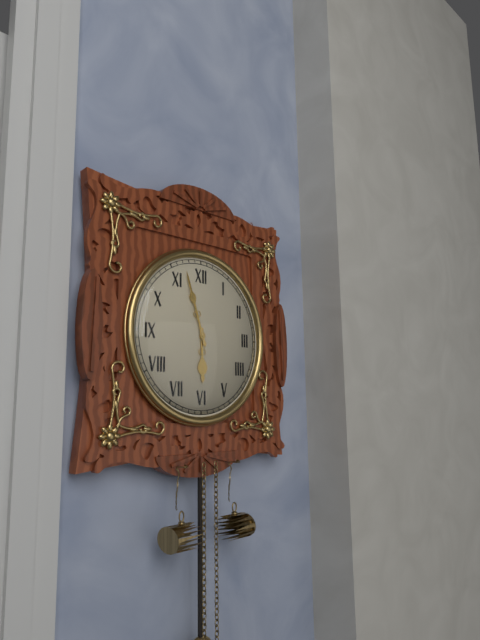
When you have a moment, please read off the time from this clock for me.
5:57
